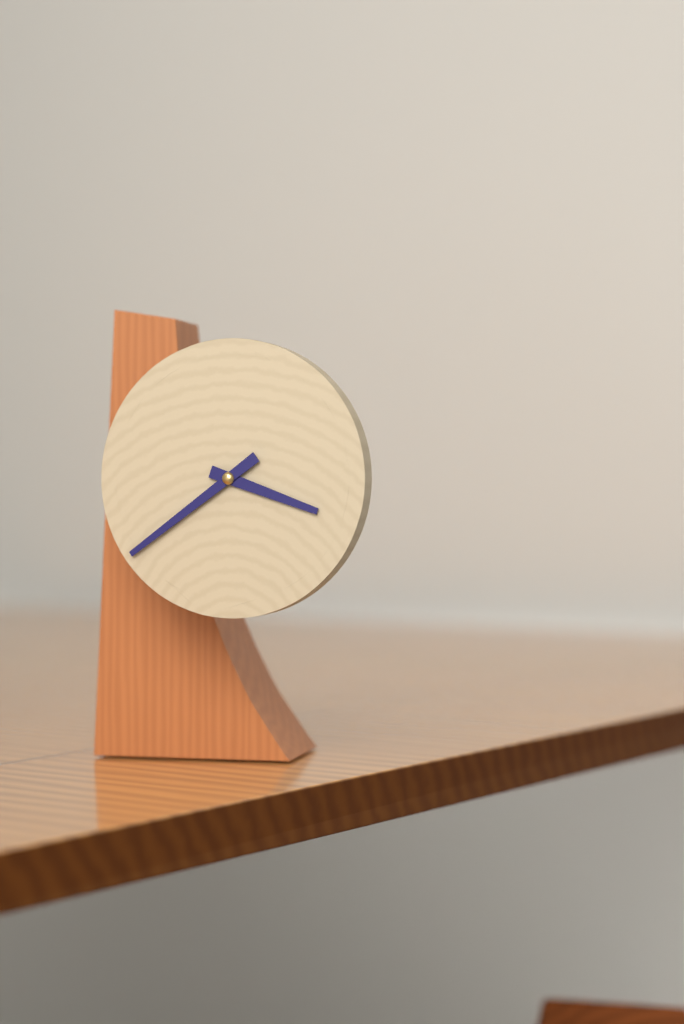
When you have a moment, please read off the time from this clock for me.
3:39
